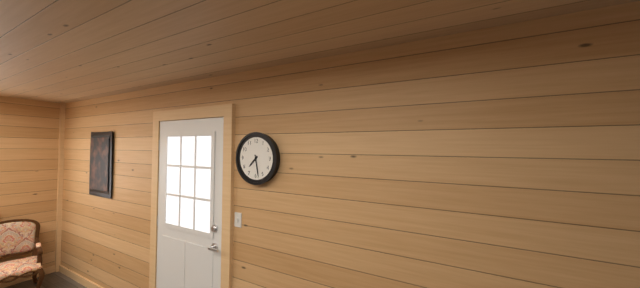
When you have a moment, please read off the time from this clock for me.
7:28
